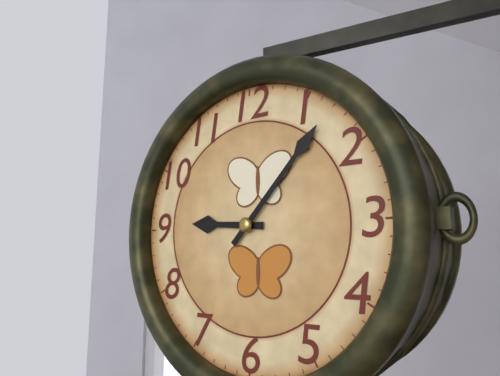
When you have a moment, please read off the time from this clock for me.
9:07
